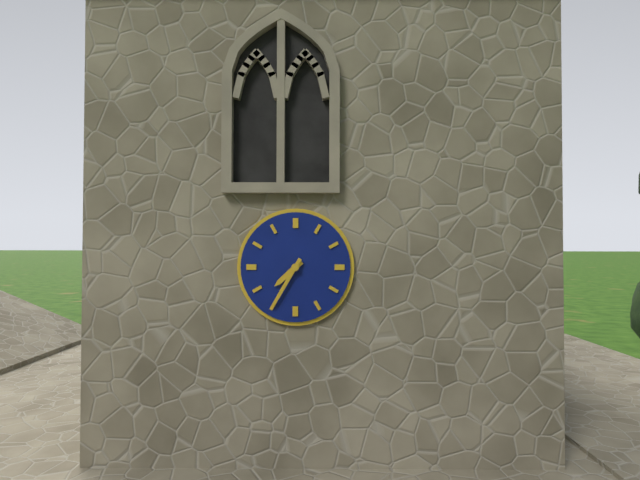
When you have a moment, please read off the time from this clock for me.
7:35
